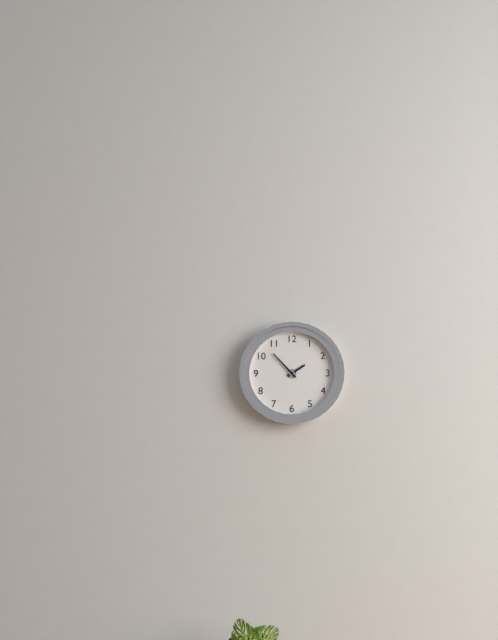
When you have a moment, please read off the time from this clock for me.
1:53
